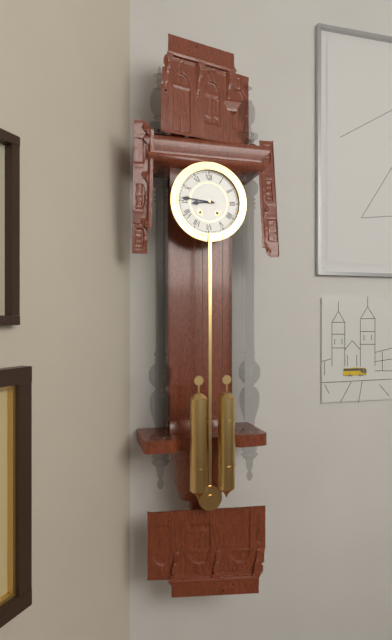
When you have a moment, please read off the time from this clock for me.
8:46
